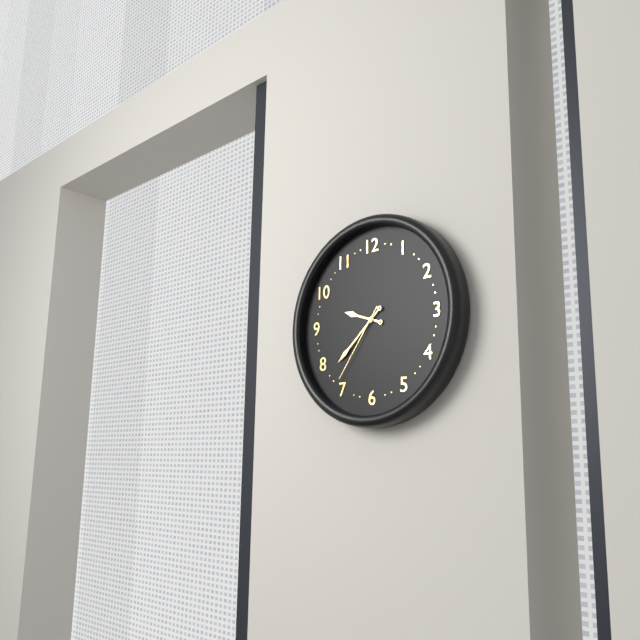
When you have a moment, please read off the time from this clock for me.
9:38:36
